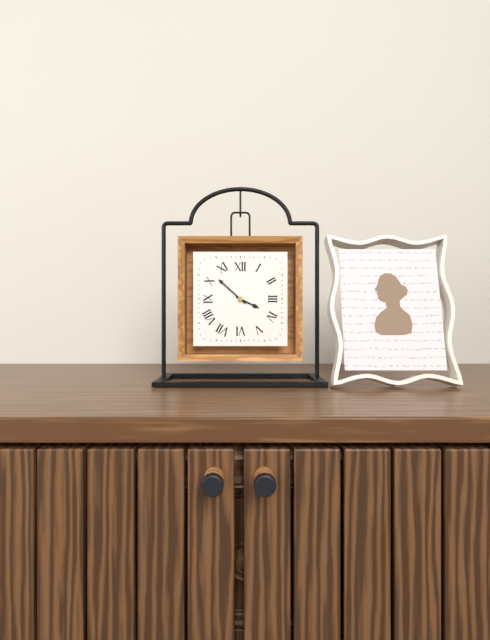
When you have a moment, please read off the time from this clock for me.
3:52
